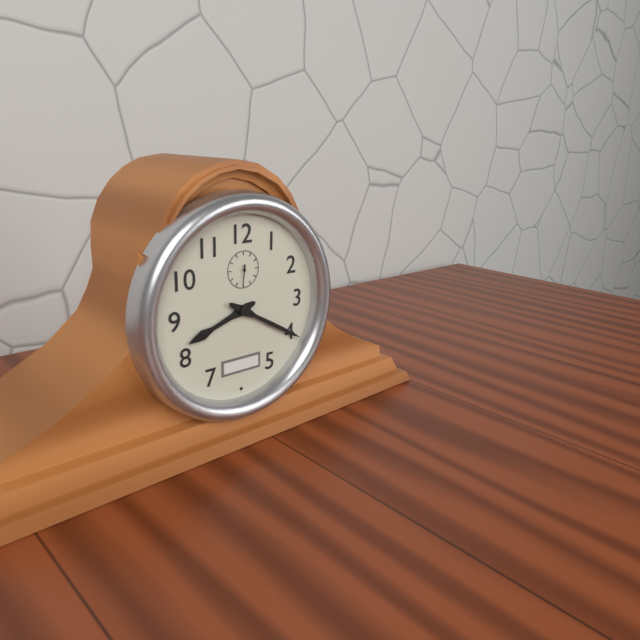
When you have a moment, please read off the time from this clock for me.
8:20
